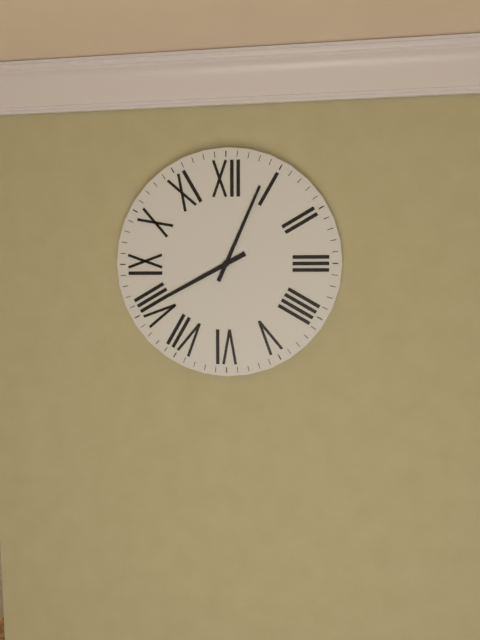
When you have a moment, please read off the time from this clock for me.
8:04
